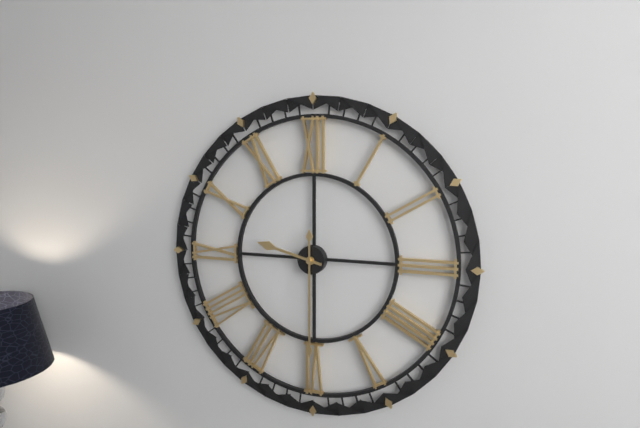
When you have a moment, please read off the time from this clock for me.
9:30
